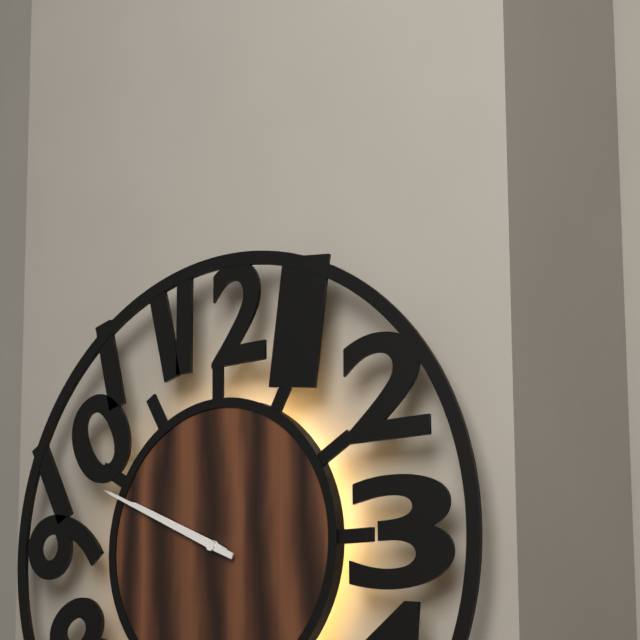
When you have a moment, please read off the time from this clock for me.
9:49
